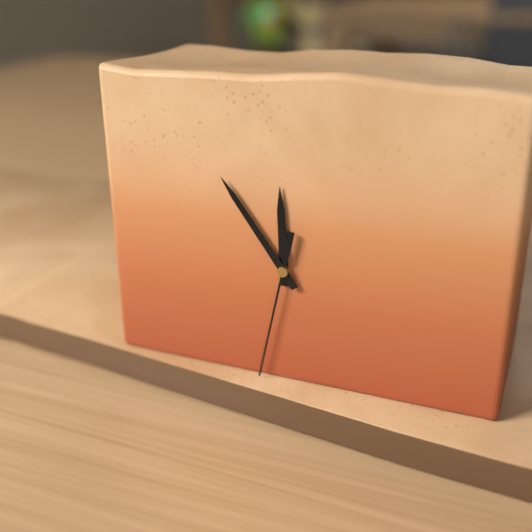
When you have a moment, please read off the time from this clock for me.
11:54:32
